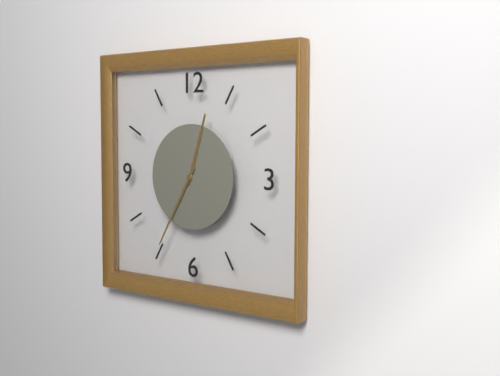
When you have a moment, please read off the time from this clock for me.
12:35
